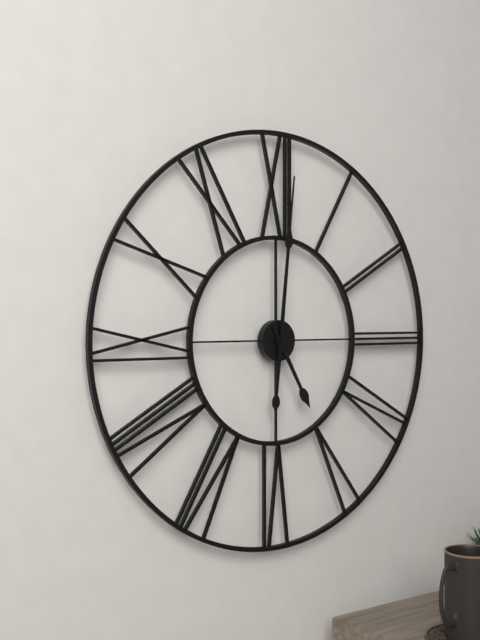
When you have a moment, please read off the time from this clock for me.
5:01
